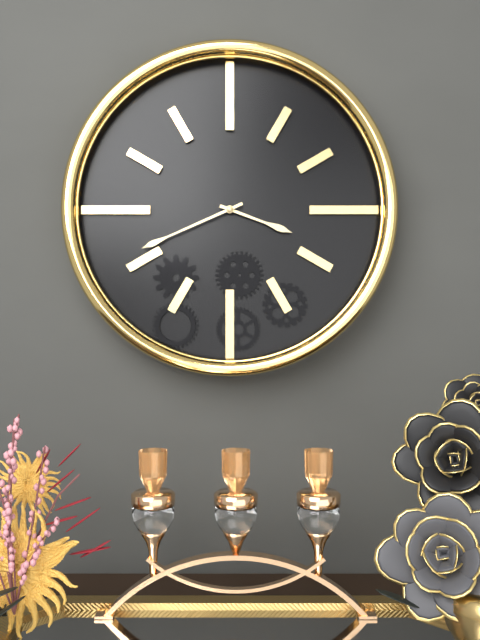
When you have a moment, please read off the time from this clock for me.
3:41
